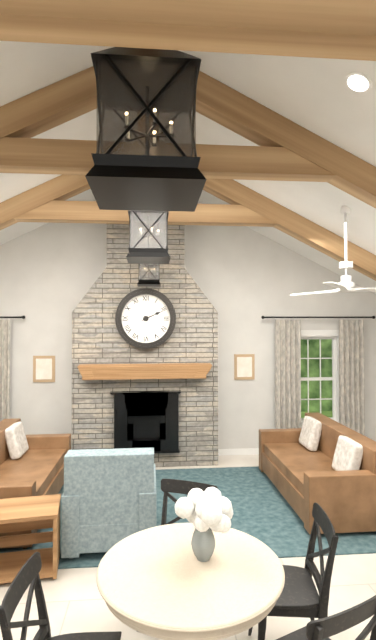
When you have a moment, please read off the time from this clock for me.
2:11
